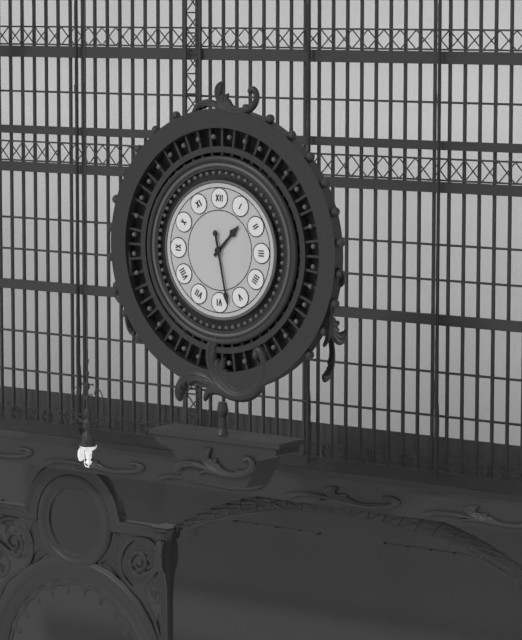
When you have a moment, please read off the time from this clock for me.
1:28
